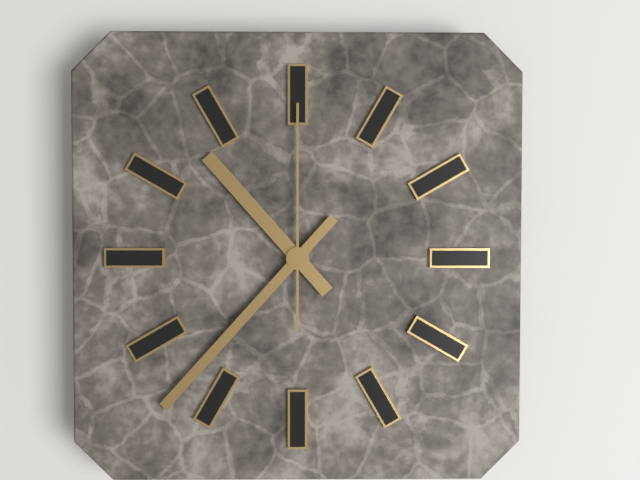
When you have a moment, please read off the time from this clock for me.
10:37:00
